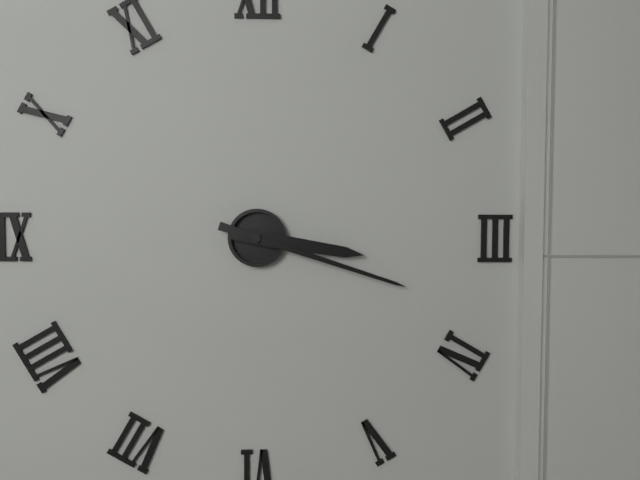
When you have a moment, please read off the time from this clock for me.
3:18
